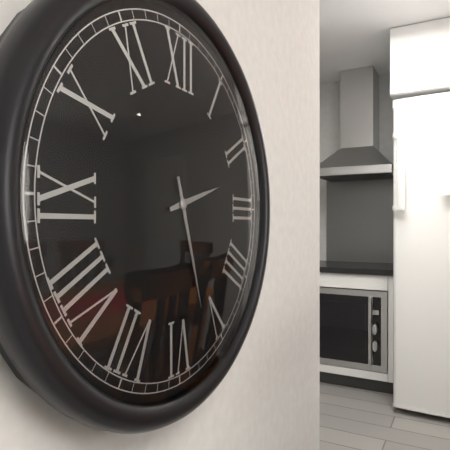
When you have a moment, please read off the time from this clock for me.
2:27
